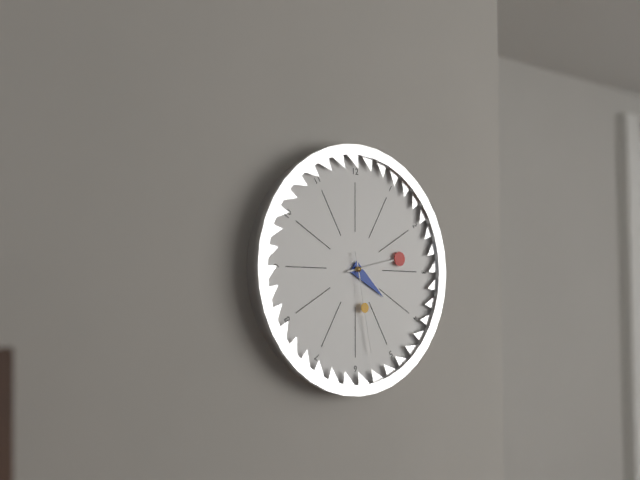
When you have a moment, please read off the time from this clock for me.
4:13:28
